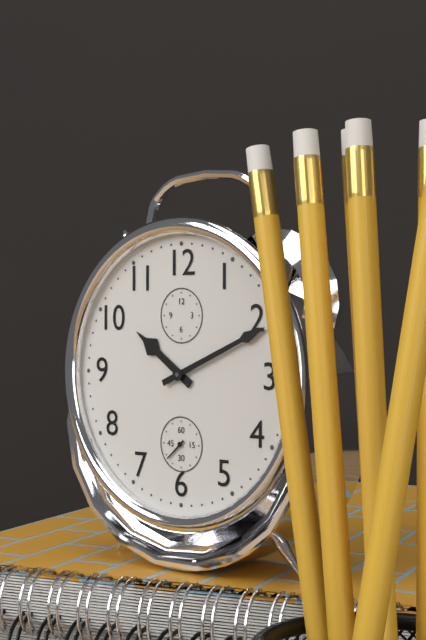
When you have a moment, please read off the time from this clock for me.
10:11
